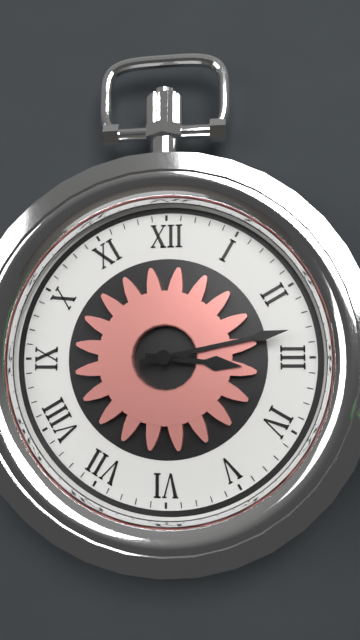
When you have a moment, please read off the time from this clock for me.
3:13
